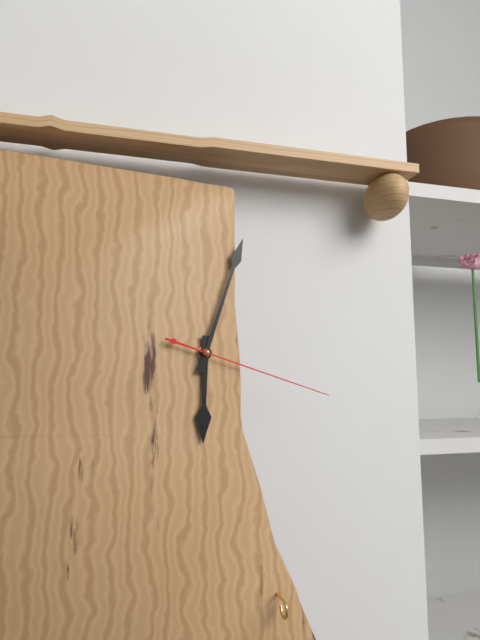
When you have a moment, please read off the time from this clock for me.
6:03:18
